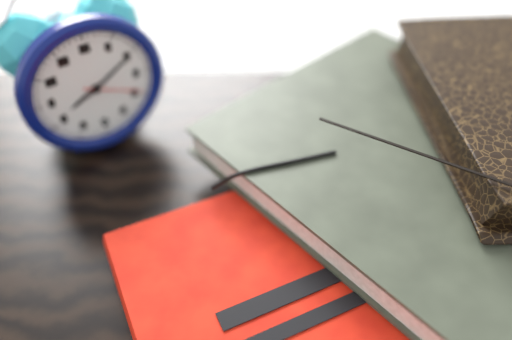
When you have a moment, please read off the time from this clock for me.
8:10:19
